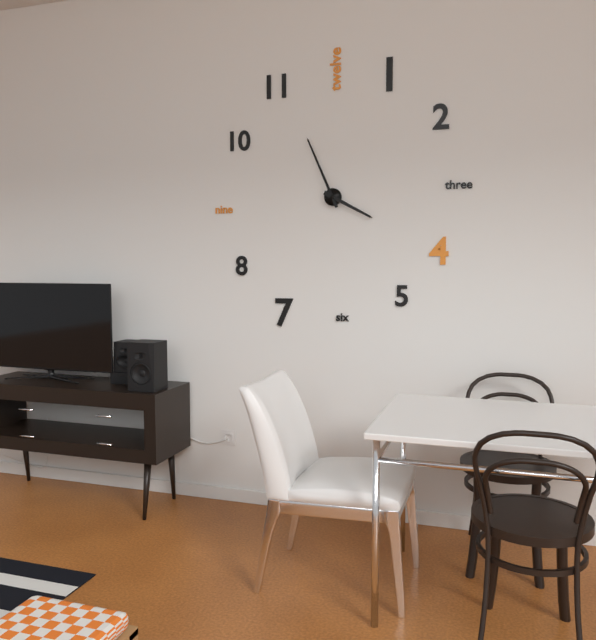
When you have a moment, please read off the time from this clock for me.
3:56
